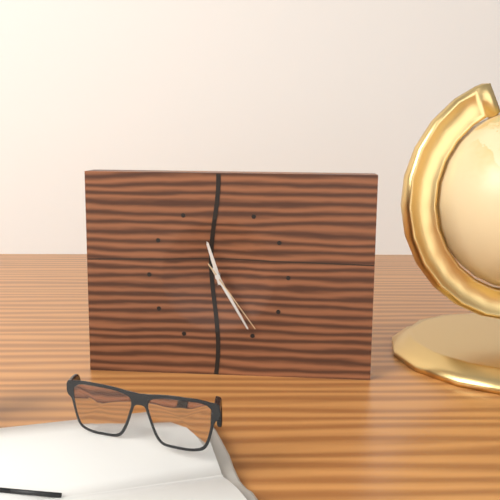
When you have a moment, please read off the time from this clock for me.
11:25:24
